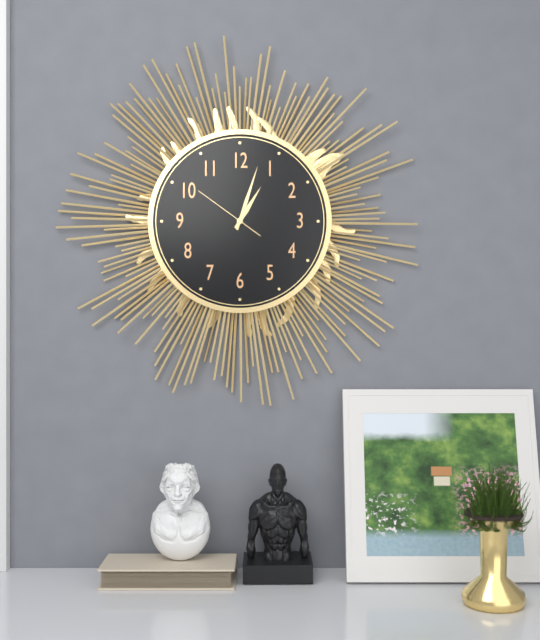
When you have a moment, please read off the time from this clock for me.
1:03:51
